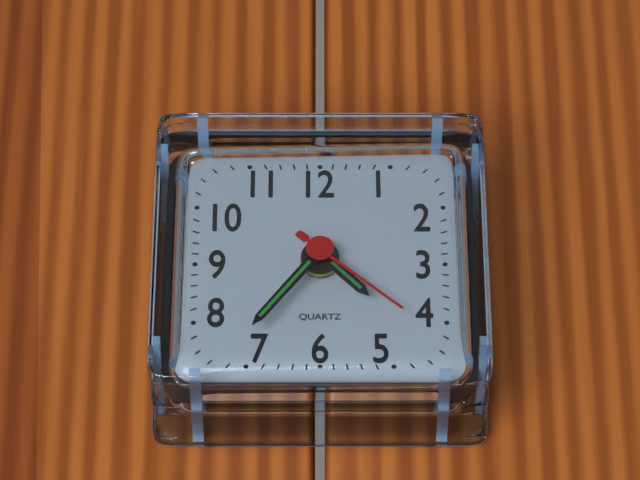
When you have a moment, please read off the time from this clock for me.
4:36:22
